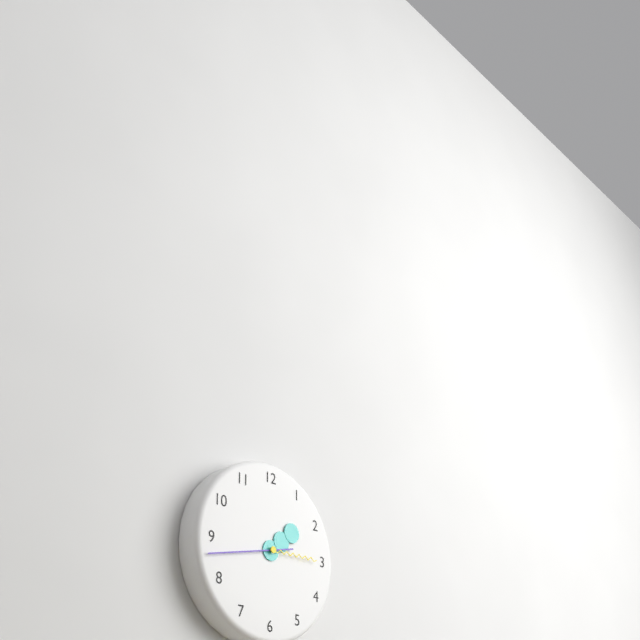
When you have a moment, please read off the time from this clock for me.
1:43:15
